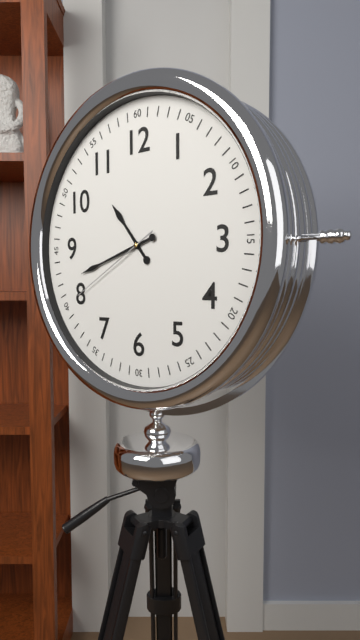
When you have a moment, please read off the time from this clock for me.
10:42:40
